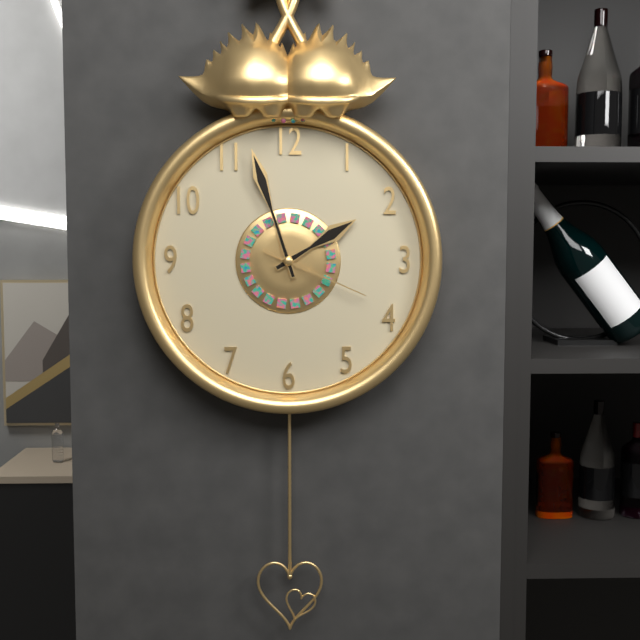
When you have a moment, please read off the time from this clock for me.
1:57:19
